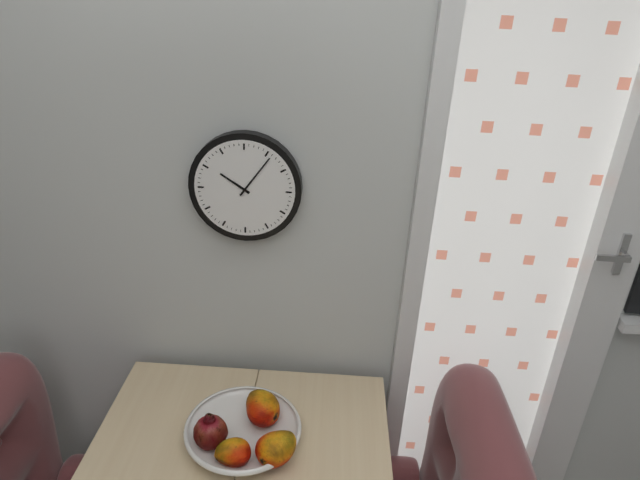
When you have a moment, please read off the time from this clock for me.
10:06
